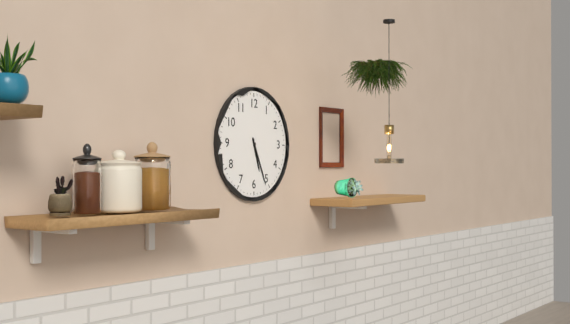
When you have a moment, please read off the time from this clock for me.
5:26
